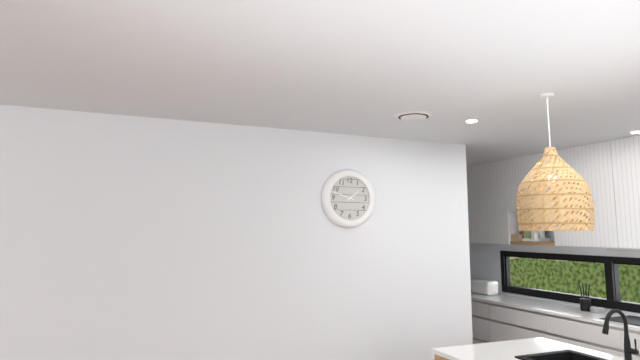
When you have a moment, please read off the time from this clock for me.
1:48
